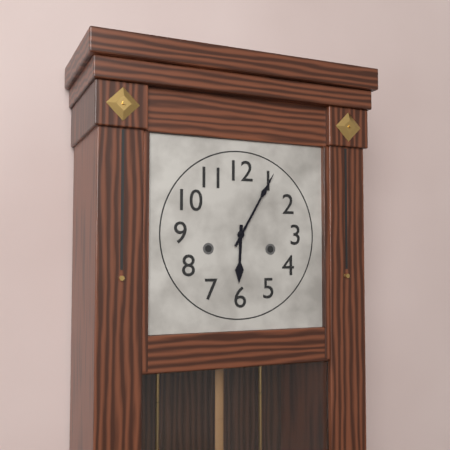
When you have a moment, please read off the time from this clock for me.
6:05
